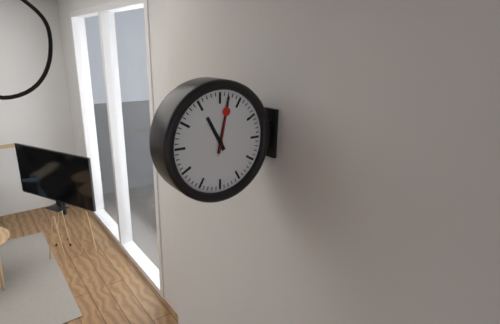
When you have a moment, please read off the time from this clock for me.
11:02
